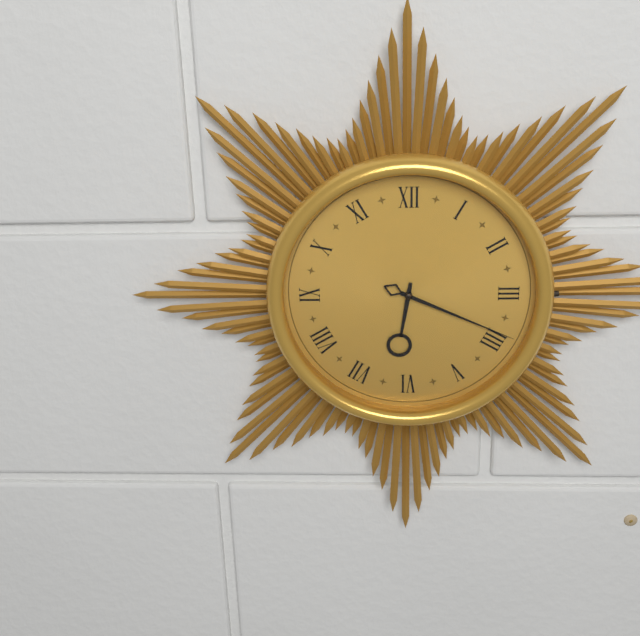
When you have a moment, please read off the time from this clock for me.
6:19
